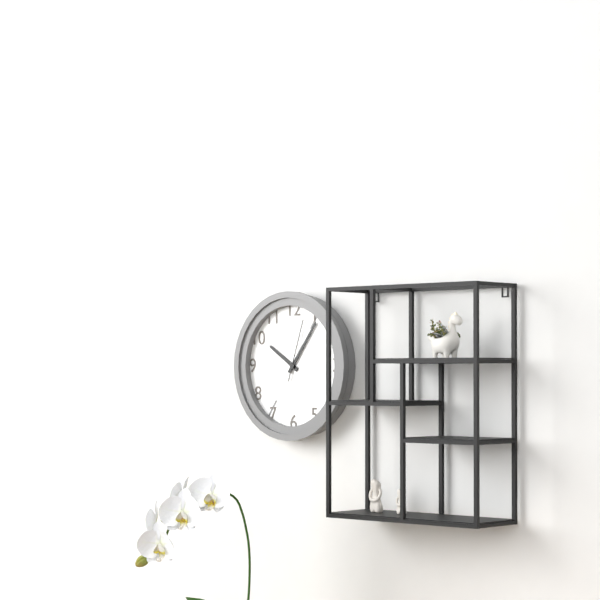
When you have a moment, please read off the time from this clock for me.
10:06:03
